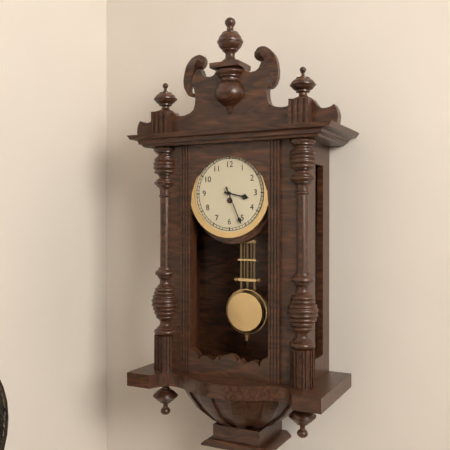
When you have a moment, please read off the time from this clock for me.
3:26
